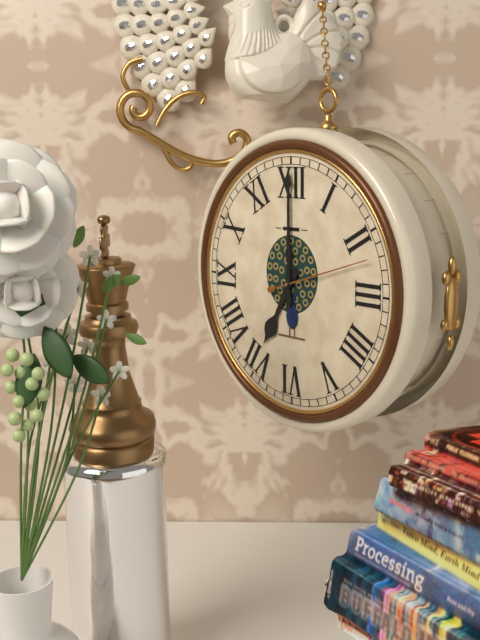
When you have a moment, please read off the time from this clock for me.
7:00:12
